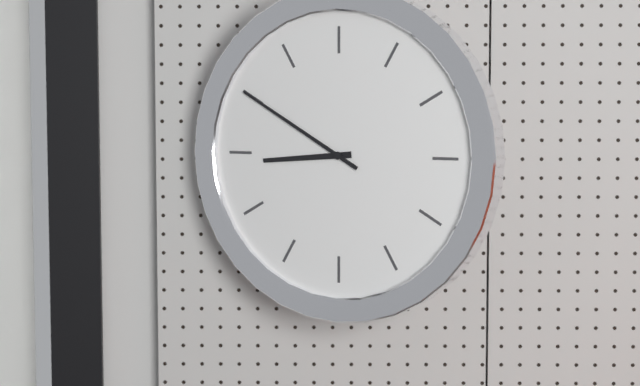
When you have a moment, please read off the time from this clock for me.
8:50
